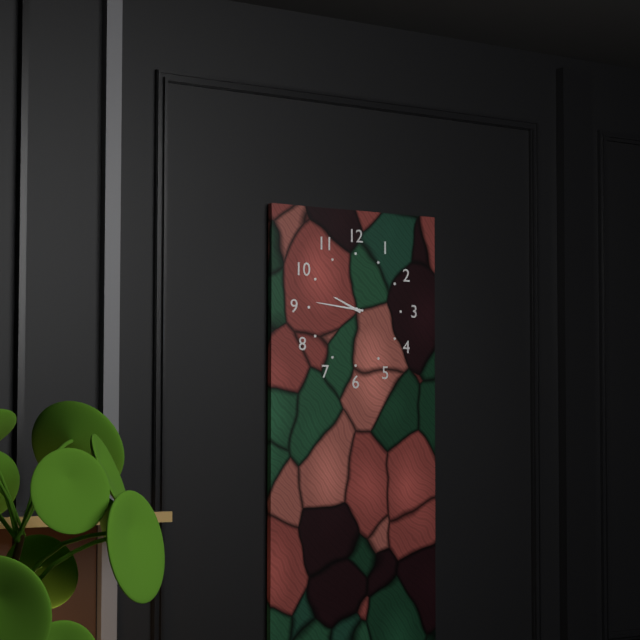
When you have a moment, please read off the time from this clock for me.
9:46
